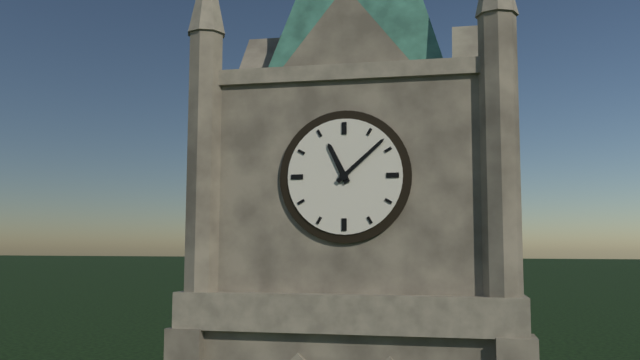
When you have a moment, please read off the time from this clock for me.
11:08
